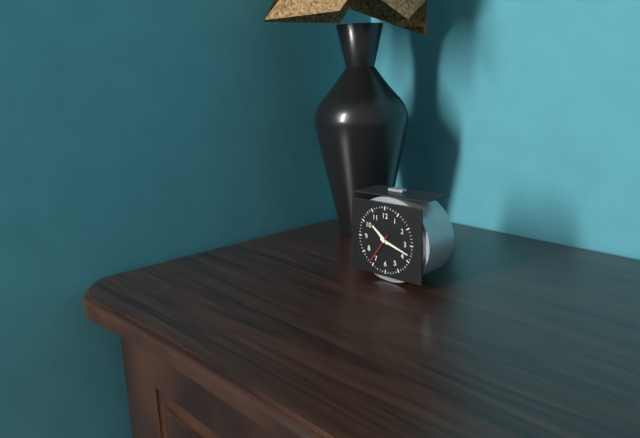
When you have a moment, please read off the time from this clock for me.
10:18:36
